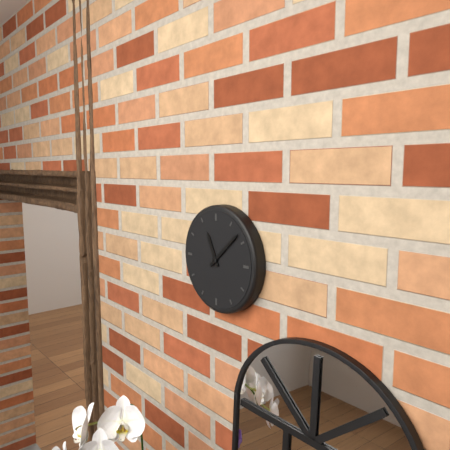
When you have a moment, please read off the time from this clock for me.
11:08
